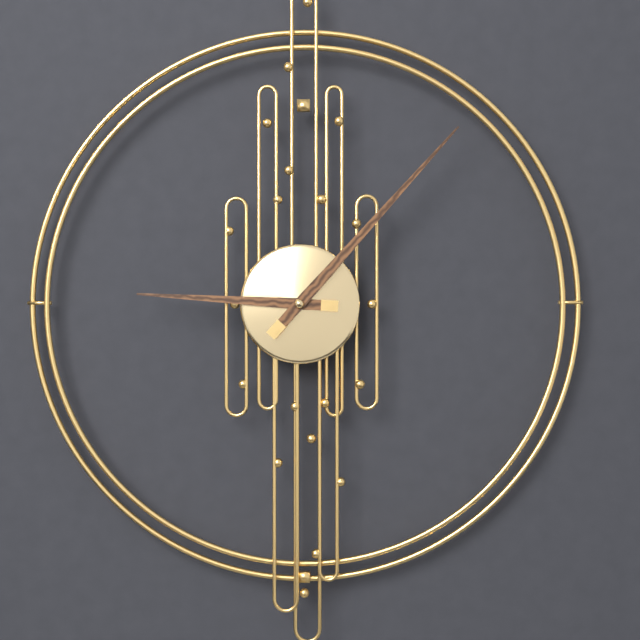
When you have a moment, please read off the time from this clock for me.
9:07
